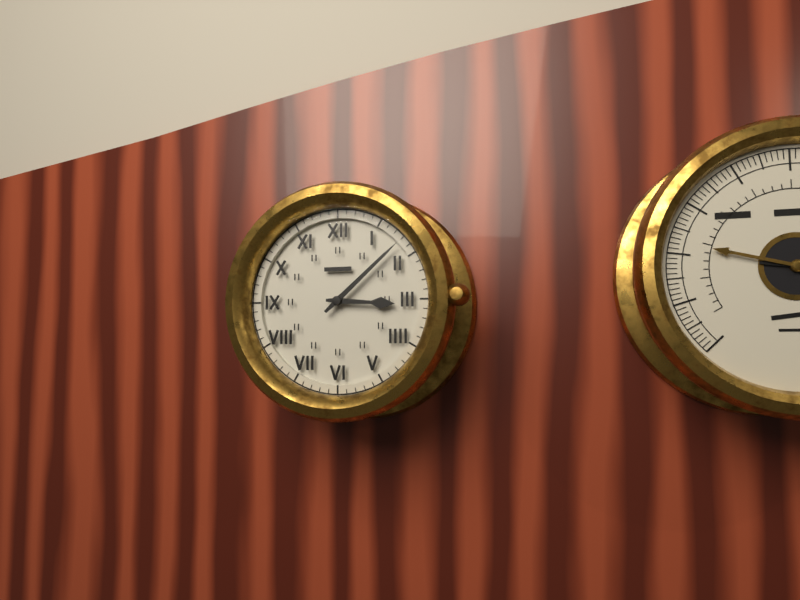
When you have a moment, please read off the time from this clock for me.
3:08
